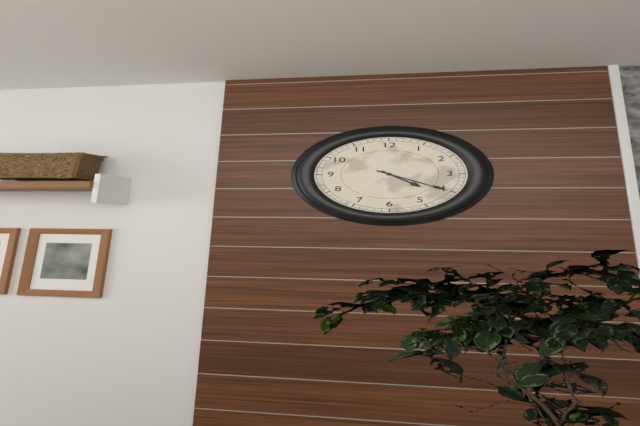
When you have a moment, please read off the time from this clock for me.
4:20
